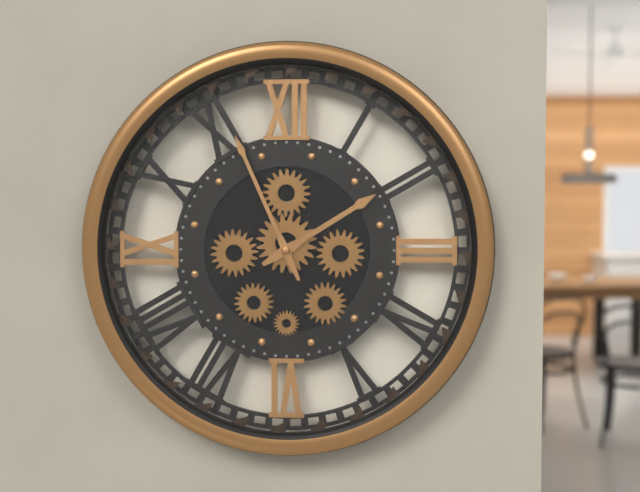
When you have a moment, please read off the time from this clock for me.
1:56
